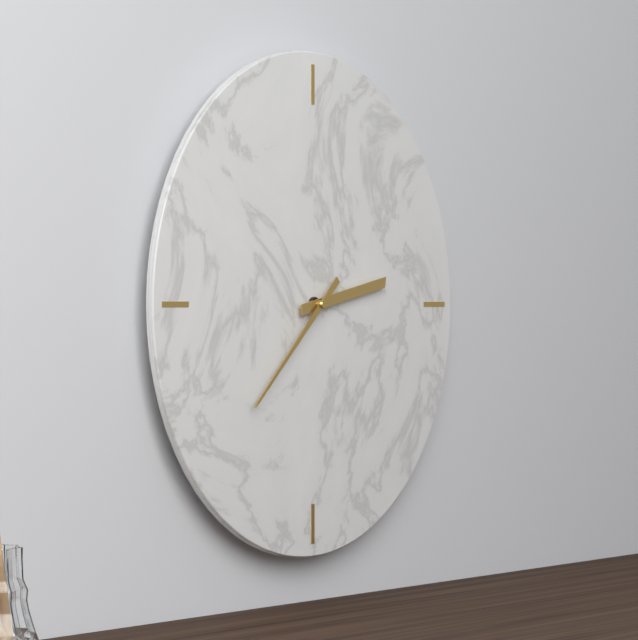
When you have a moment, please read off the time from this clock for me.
2:38
